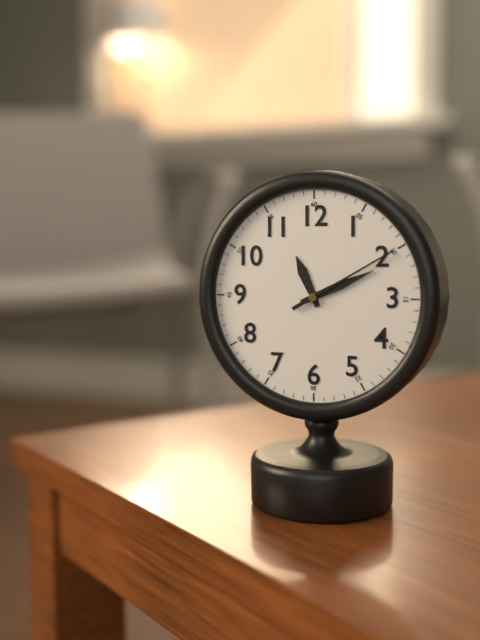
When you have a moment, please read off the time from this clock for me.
11:11:10
